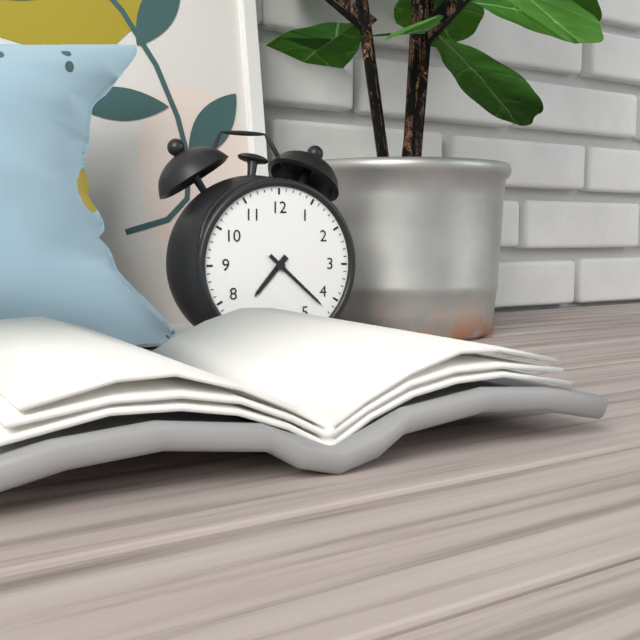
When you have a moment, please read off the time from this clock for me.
7:22
